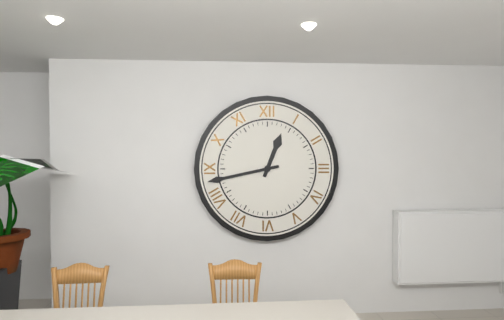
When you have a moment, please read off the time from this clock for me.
12:43
